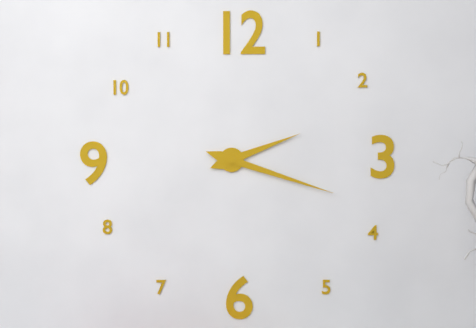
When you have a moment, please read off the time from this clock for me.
2:18
